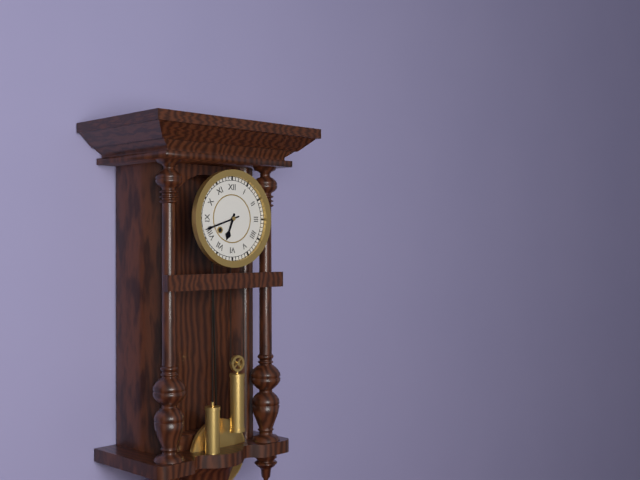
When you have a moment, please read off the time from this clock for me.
6:42
